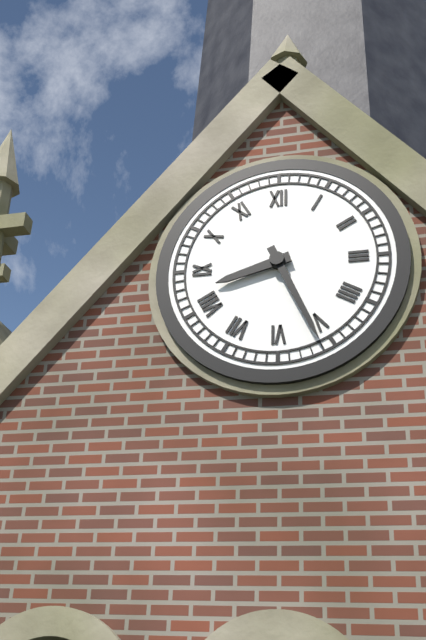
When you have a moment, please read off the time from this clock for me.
8:26
